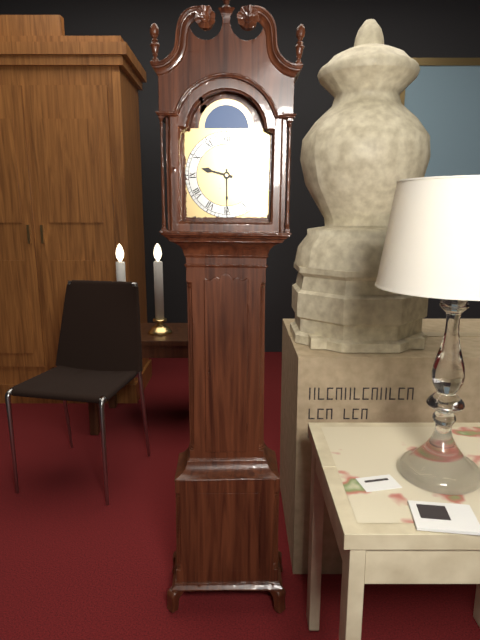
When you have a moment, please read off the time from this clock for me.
9:30
